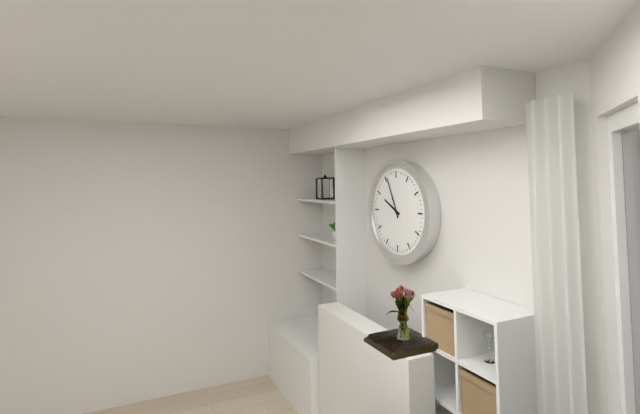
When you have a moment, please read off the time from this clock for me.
9:56
